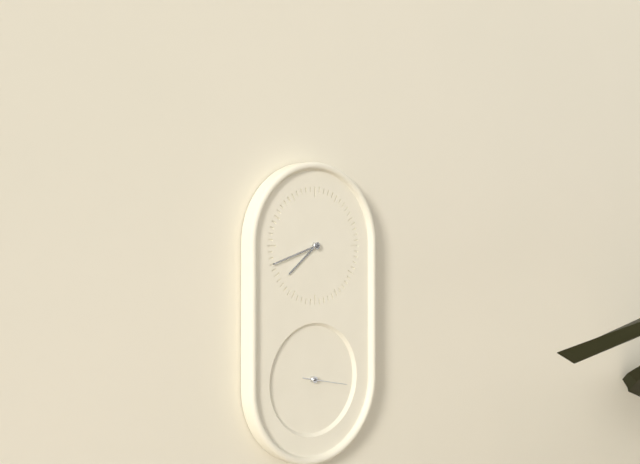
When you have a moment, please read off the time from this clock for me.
7:42
